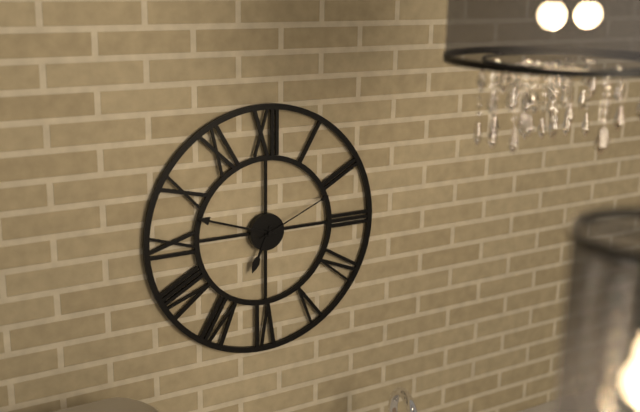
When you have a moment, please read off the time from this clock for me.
6:48:11
